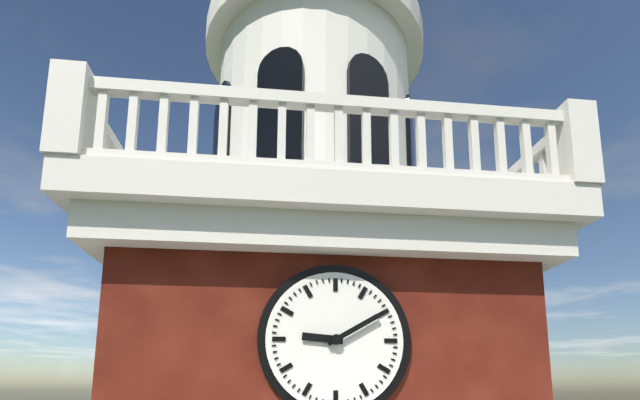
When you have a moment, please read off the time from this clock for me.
9:10
